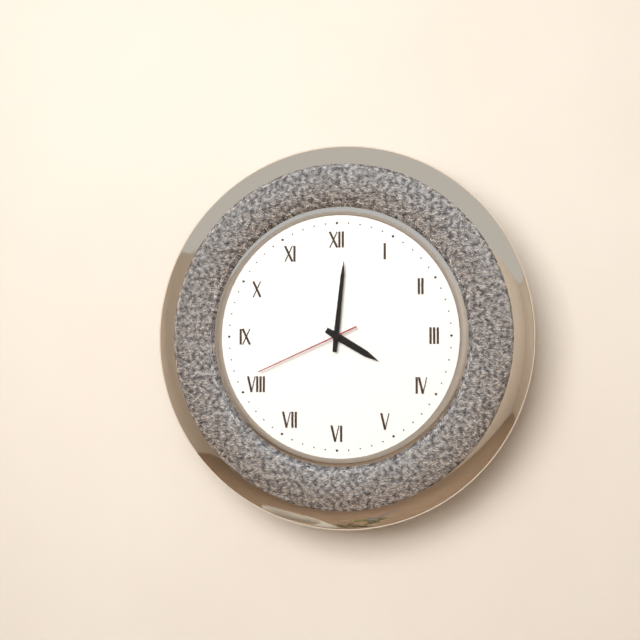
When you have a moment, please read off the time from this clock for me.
4:01:41
